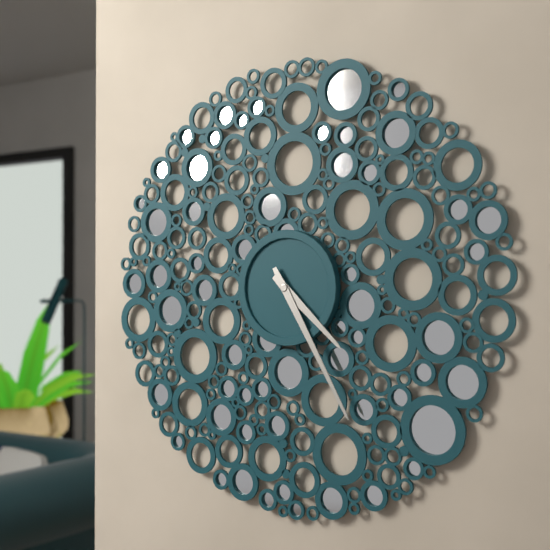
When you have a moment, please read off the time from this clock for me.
4:25
